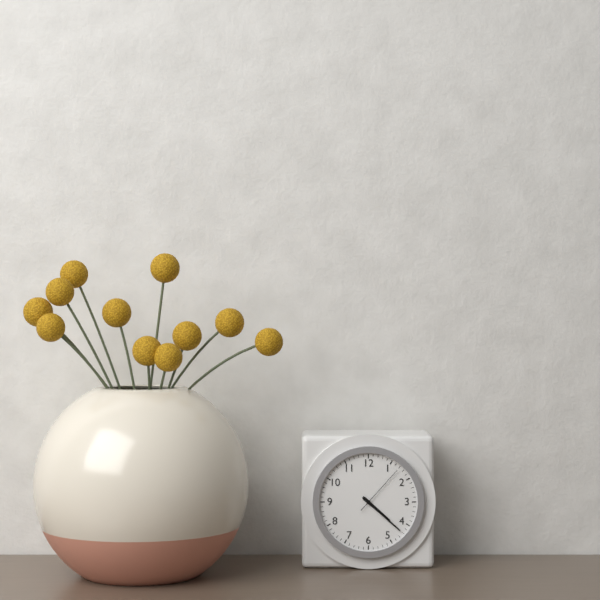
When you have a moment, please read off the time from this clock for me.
4:22:07
